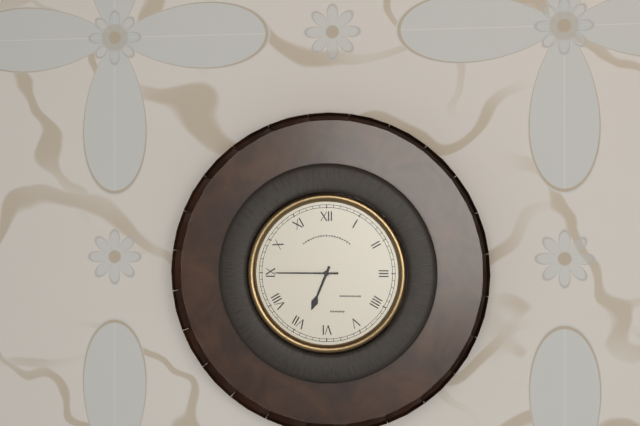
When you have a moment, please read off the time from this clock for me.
6:45
